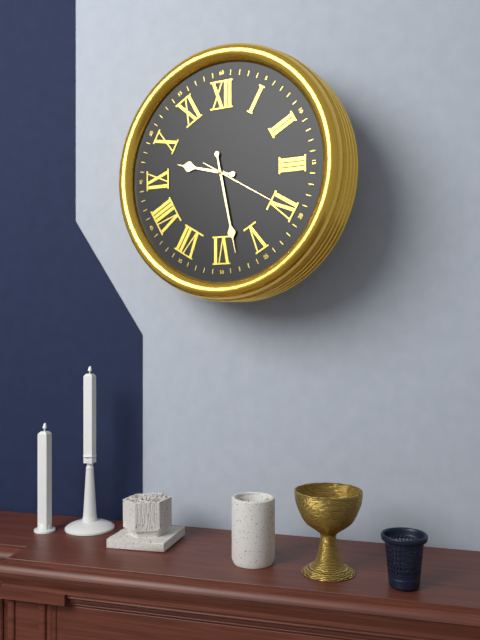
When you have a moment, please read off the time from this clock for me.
9:28:20
